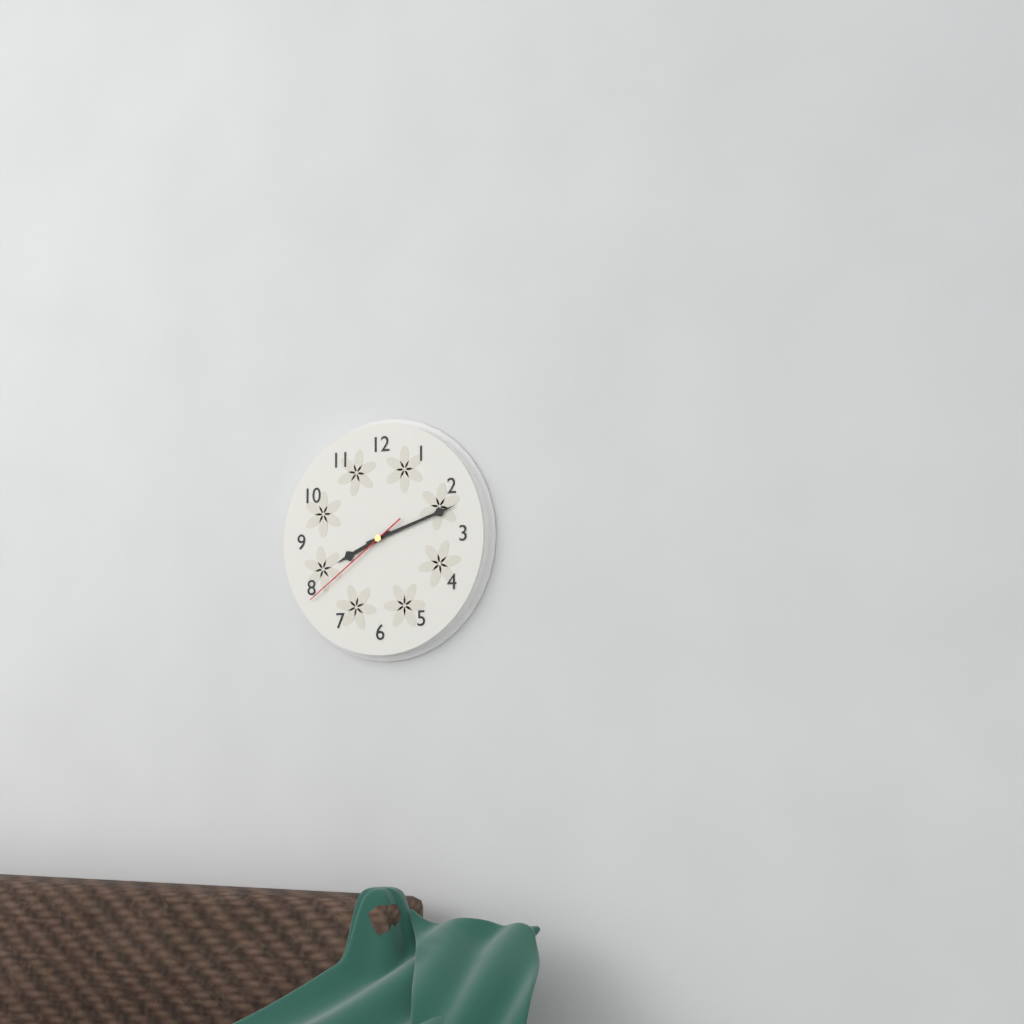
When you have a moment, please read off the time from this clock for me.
8:12:39
